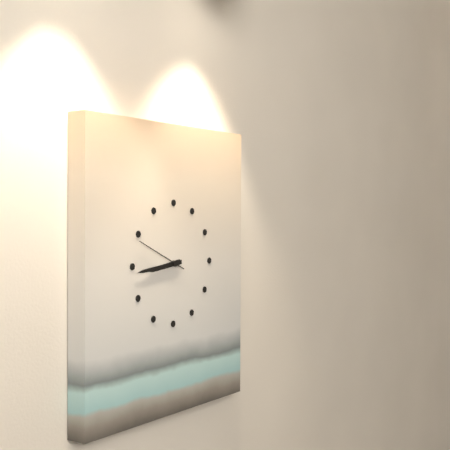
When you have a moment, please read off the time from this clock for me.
8:44:49
